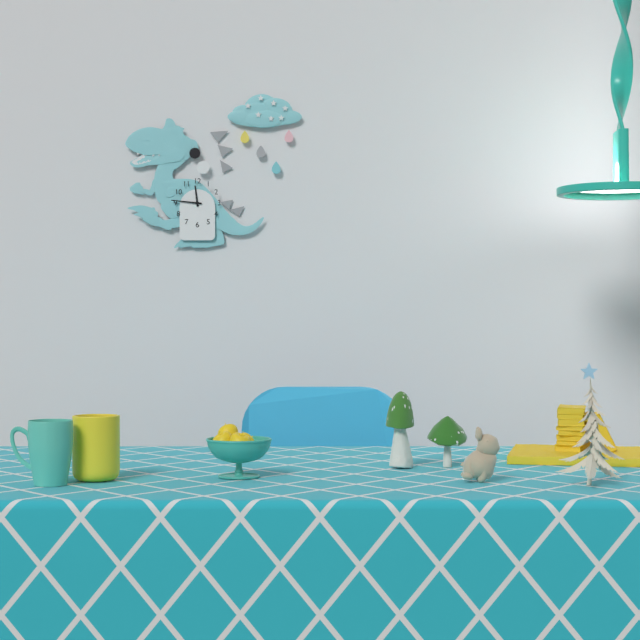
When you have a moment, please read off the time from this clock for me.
11:46
